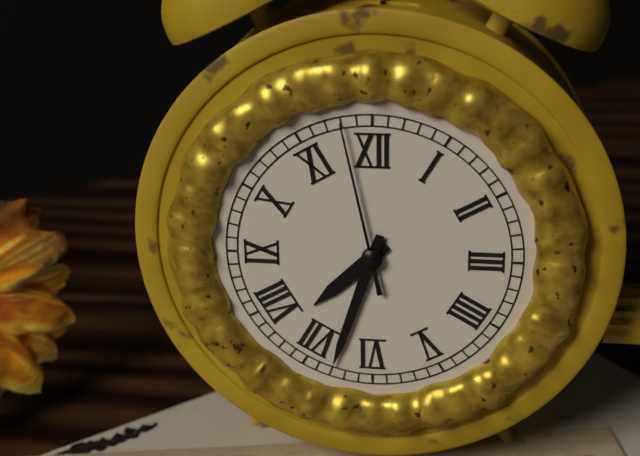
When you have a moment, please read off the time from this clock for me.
7:33:58
